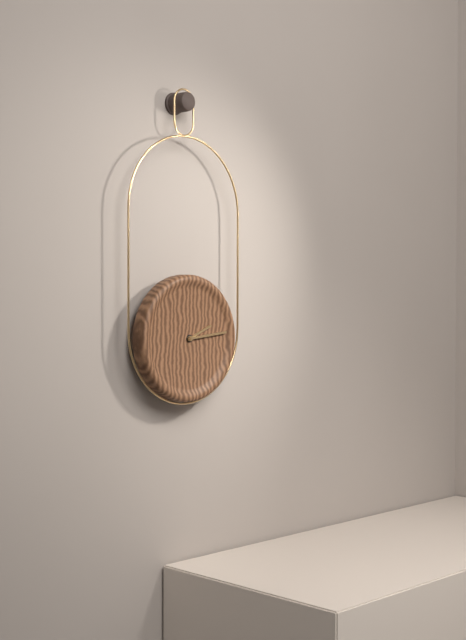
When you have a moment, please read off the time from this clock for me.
2:14
